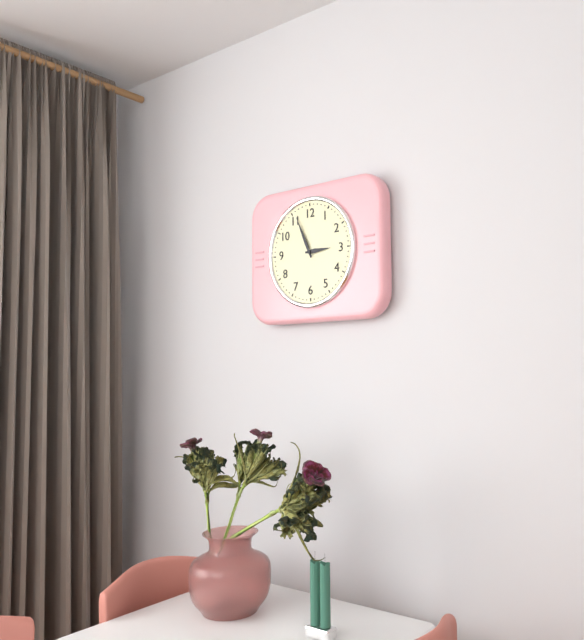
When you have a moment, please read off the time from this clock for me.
2:56
